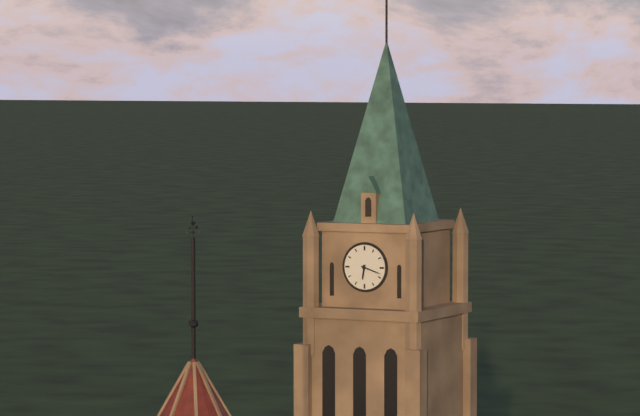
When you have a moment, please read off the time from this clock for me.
6:18
